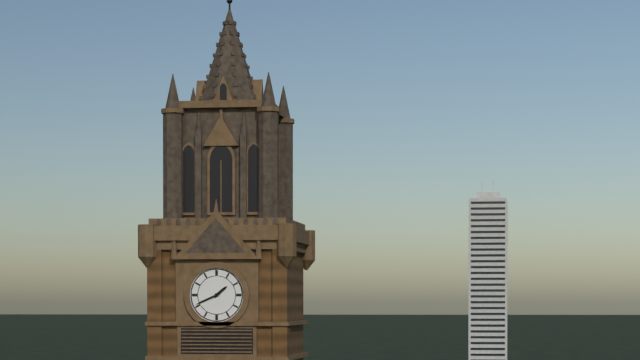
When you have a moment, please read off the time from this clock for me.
1:41
